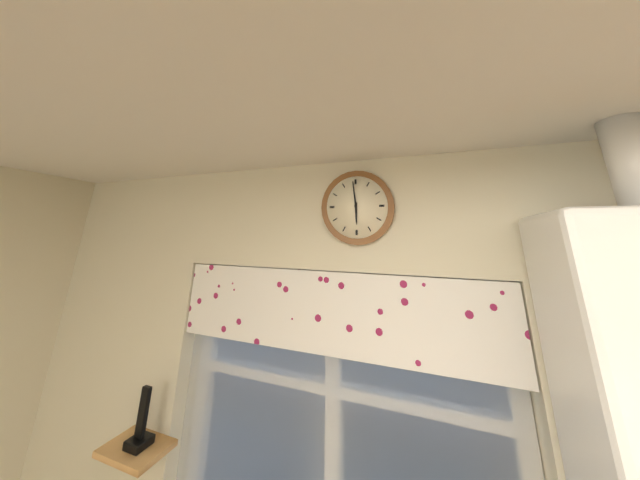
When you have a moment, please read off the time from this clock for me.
5:59
